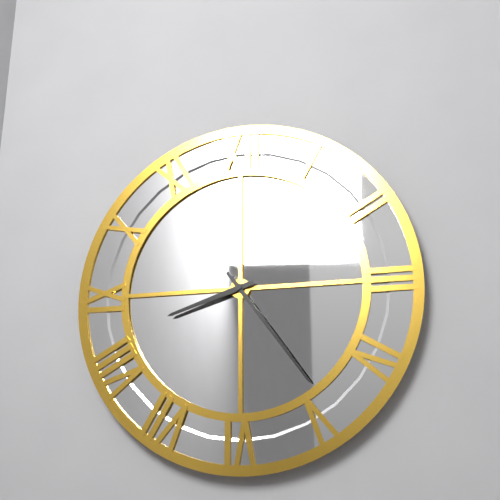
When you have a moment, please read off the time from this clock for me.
8:24
